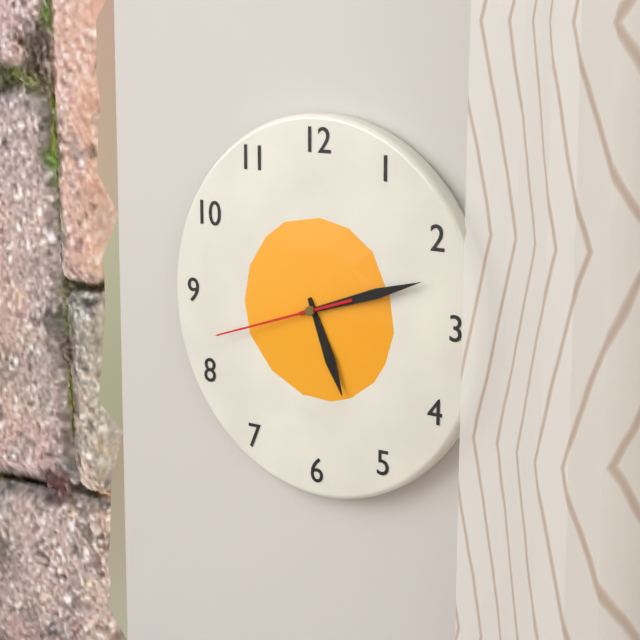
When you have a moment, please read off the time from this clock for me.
5:12:42
